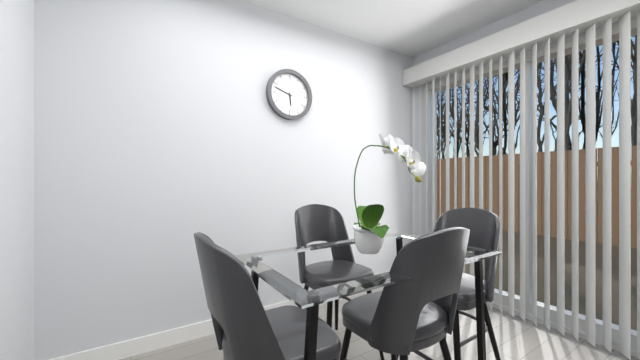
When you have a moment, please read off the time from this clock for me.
5:48
